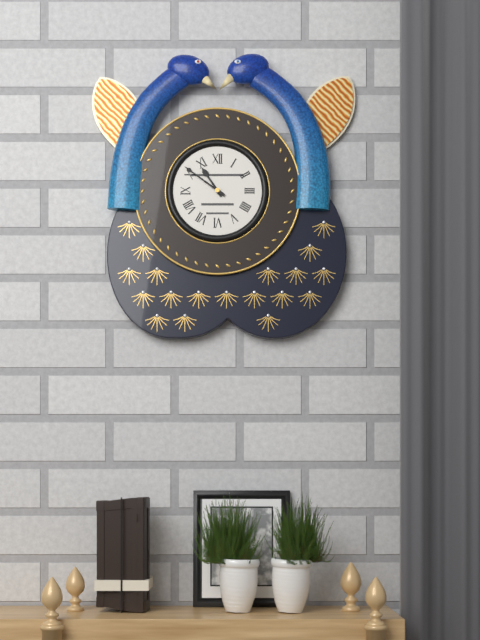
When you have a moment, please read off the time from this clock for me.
10:51
